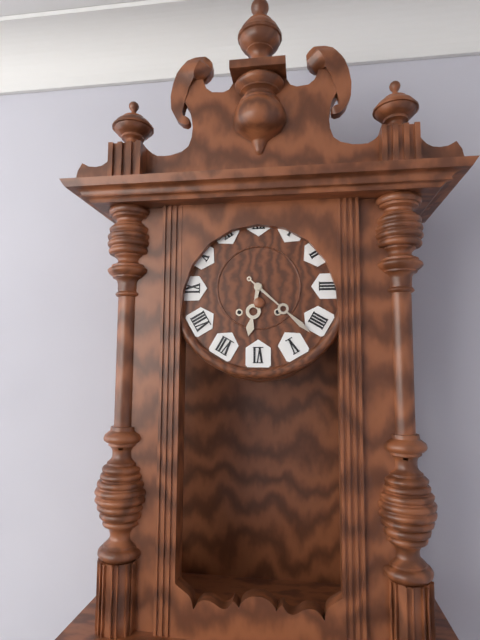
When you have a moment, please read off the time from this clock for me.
6:22
